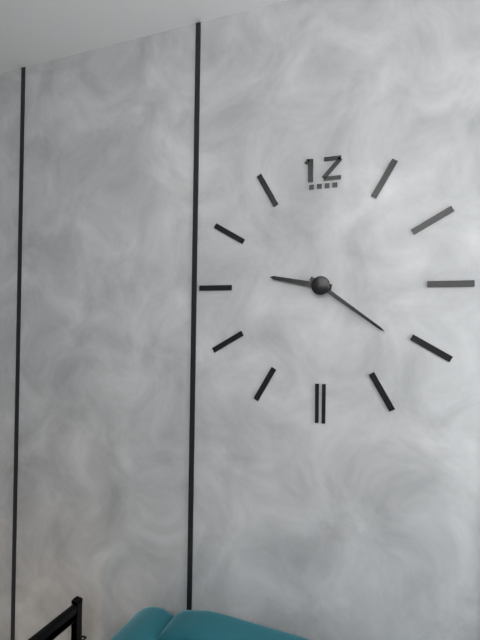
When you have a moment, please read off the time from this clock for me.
9:21
